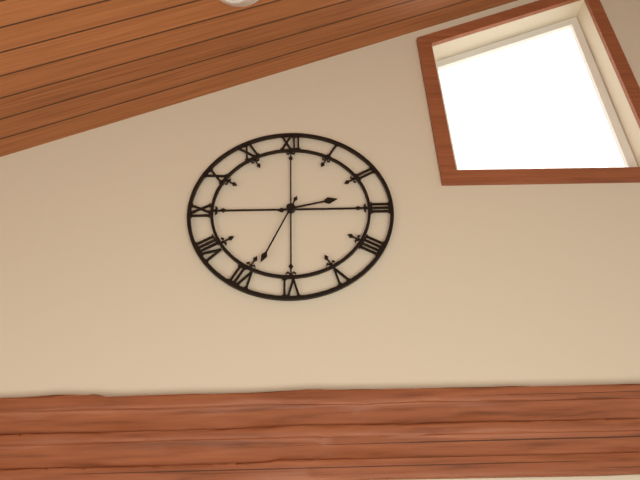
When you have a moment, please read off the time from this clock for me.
2:34
